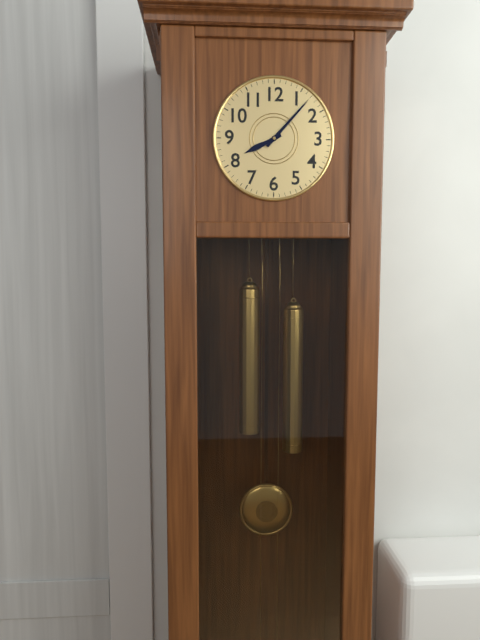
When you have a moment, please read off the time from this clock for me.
8:07
